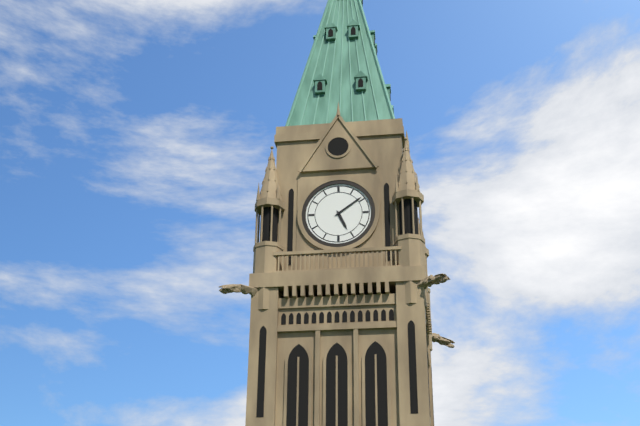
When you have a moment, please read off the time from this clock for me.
5:09
